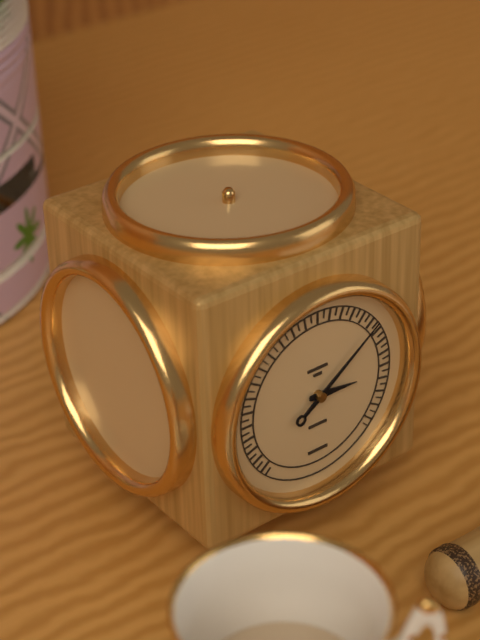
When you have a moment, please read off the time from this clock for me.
3:09
